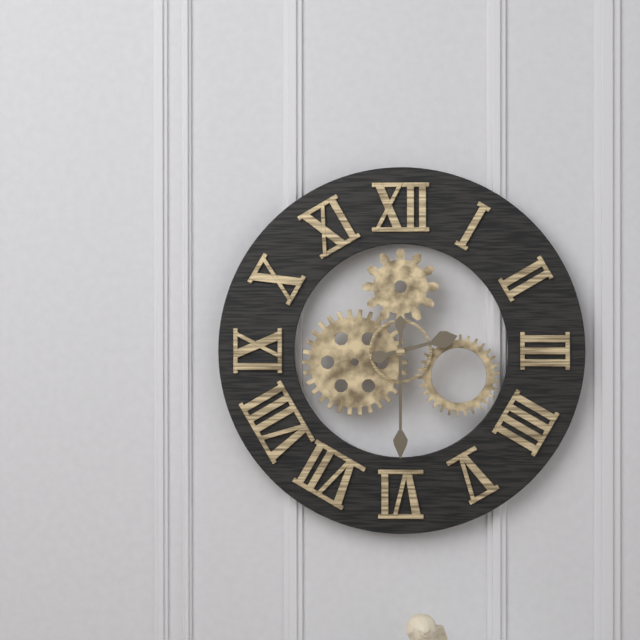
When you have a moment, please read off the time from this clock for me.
2:30
